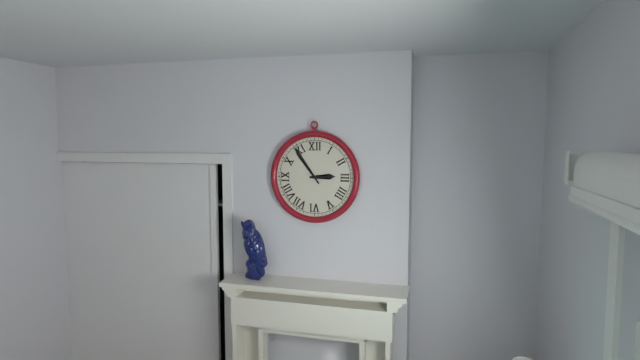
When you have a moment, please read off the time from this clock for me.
2:54
